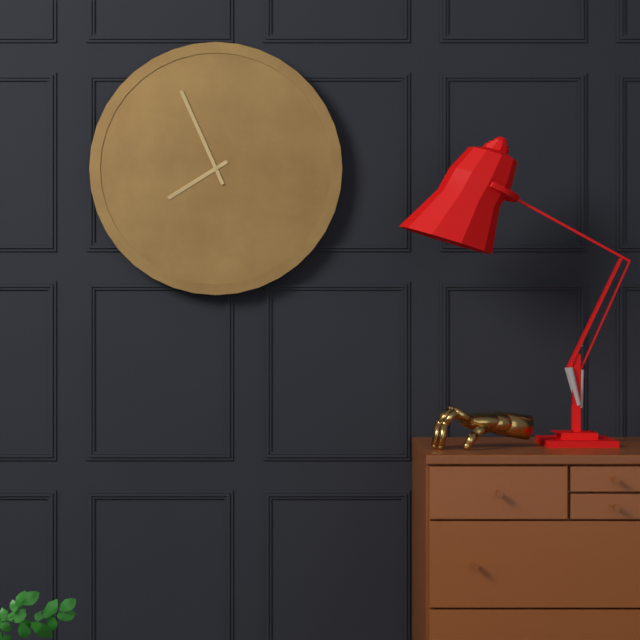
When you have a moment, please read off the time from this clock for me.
7:56
